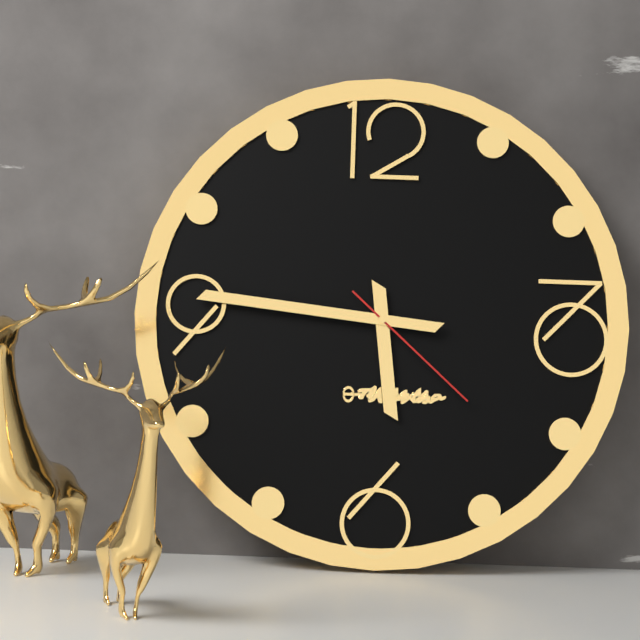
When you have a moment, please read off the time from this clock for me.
5:46:22
